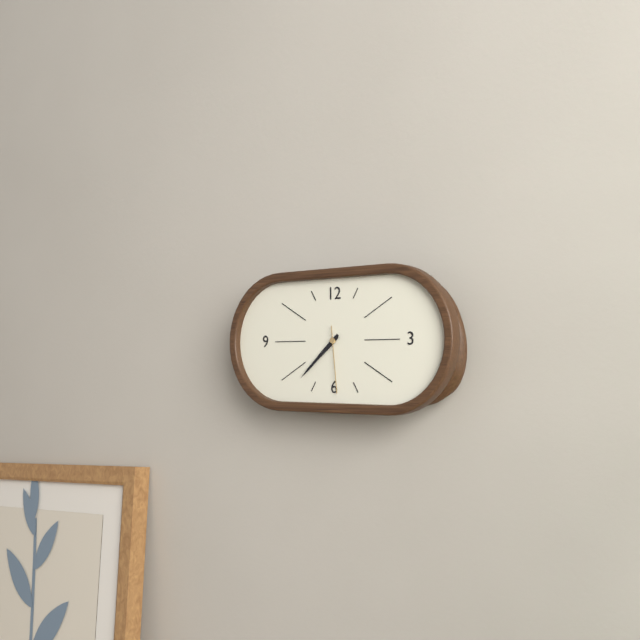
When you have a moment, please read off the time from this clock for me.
7:38:29
